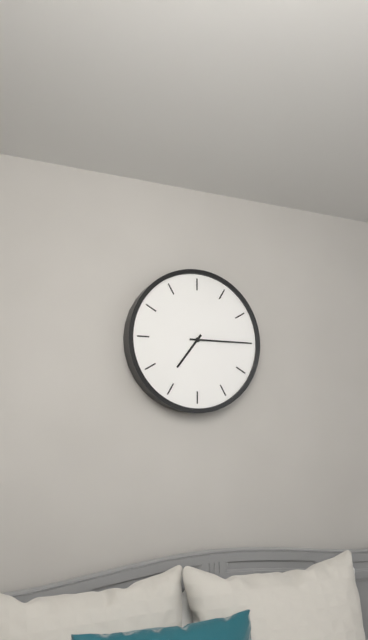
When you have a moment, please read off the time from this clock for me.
7:15
